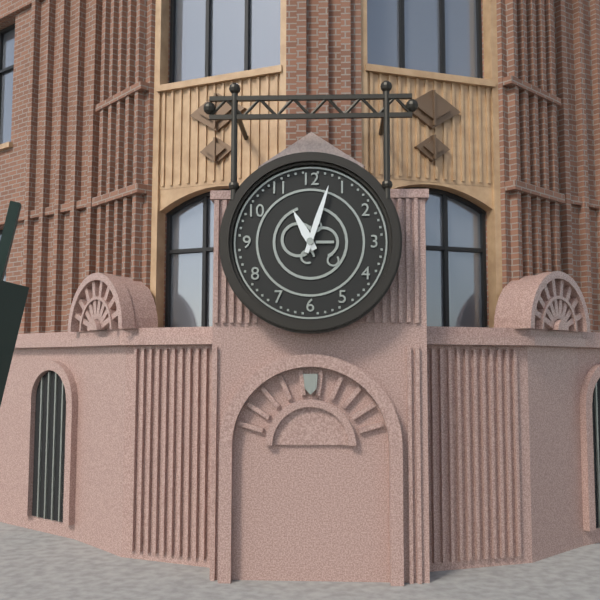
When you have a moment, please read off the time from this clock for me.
11:03
